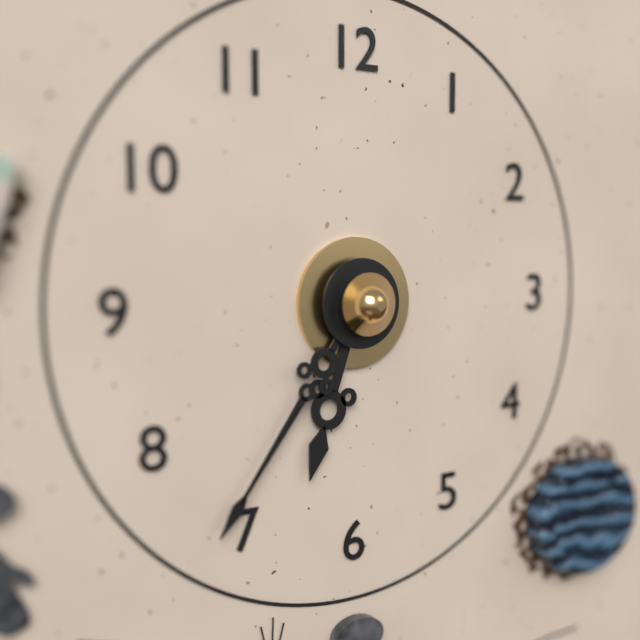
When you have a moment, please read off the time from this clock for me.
6:36
